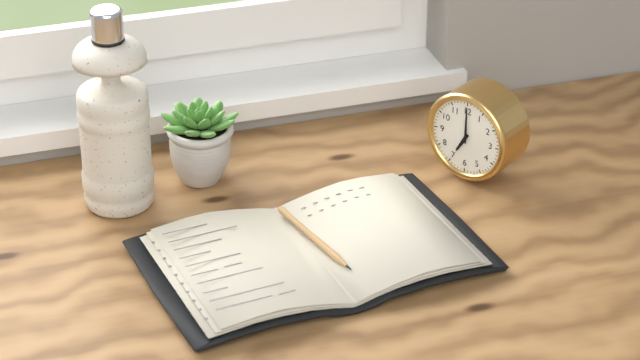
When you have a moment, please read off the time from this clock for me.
7:00
